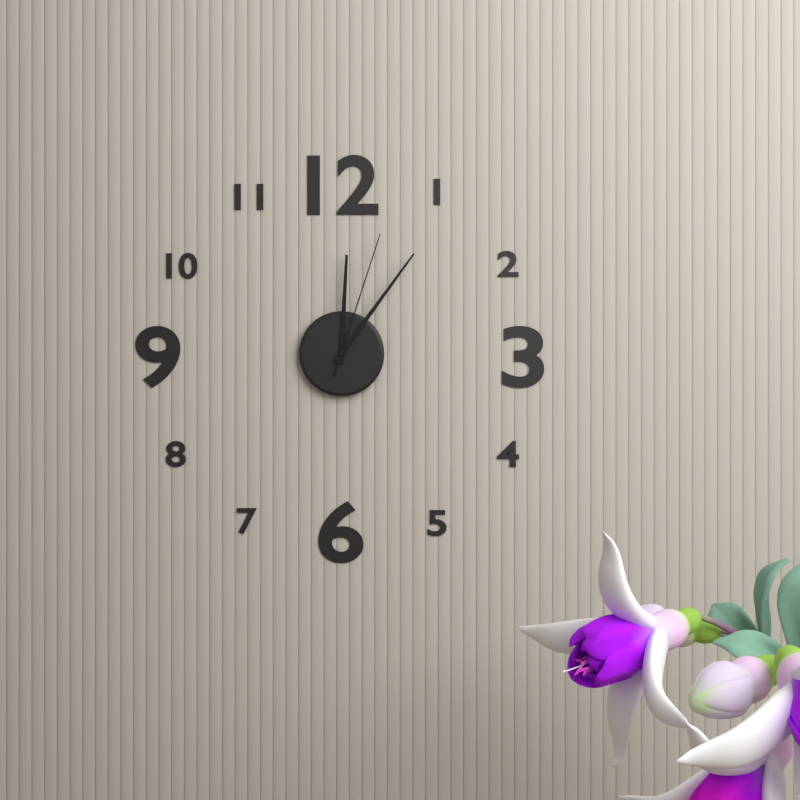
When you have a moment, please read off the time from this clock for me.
12:06:03
